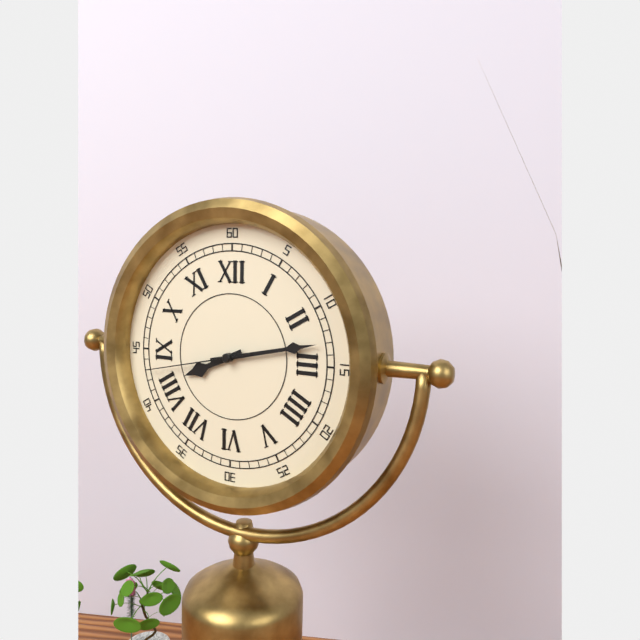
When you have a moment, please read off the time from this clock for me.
8:13:43
